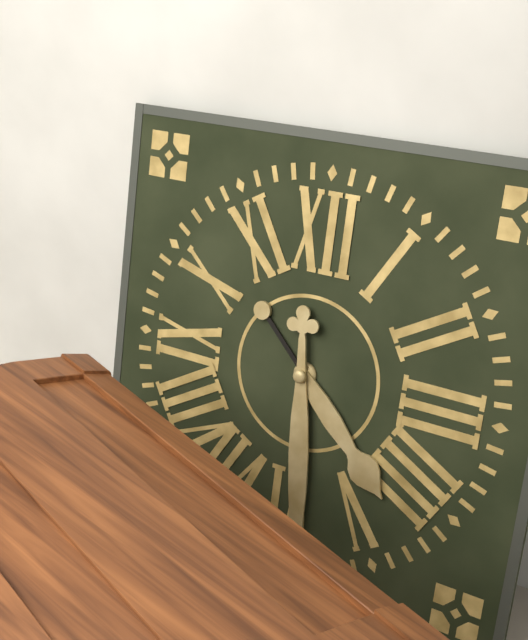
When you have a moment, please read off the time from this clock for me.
4:29
